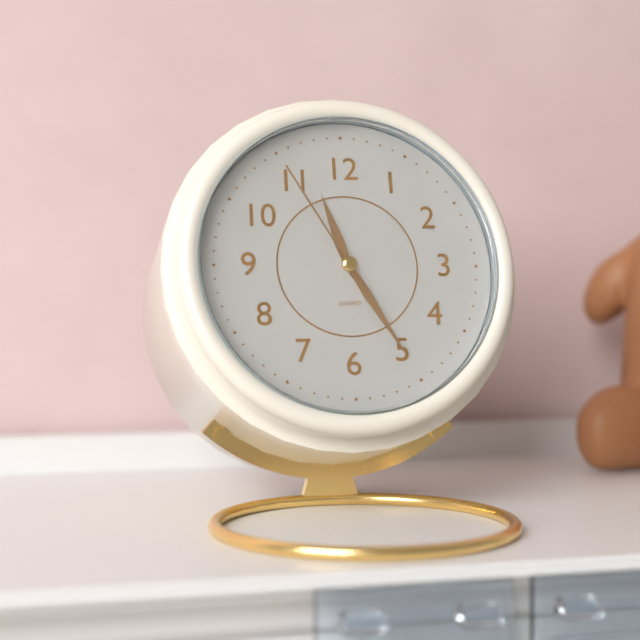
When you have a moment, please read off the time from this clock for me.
11:25:55
